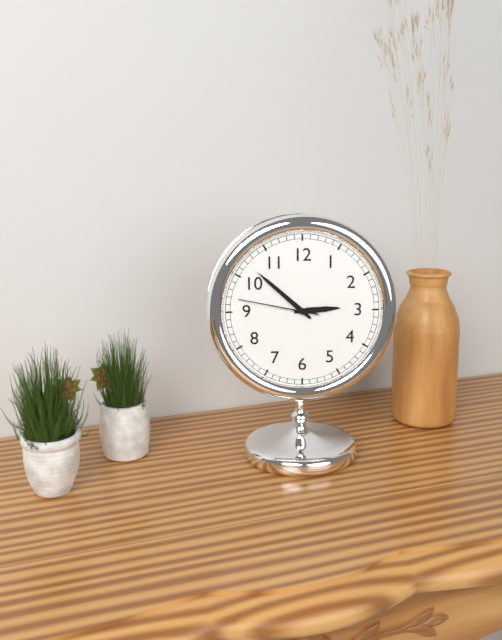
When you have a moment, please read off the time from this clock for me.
2:52:47
